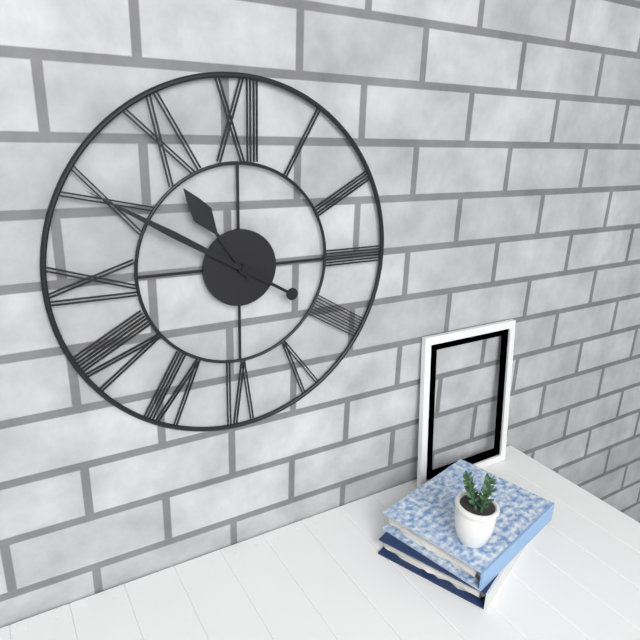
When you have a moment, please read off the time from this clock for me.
10:50
